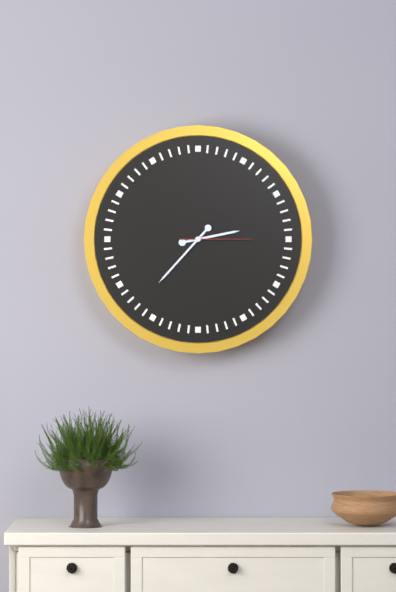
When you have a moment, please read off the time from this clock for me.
2:37:15
